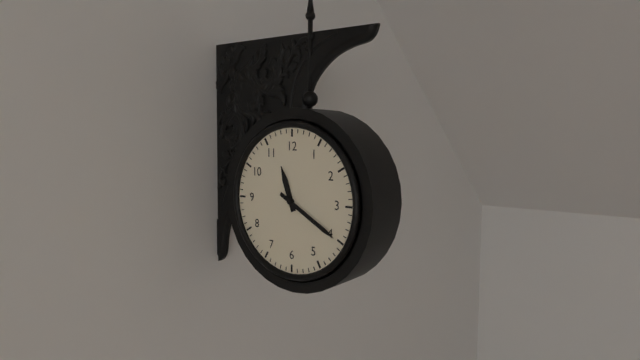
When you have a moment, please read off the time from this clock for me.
11:20
